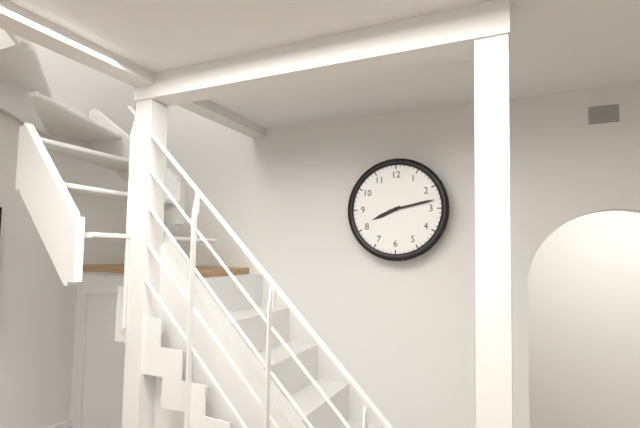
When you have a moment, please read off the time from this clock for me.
8:13
